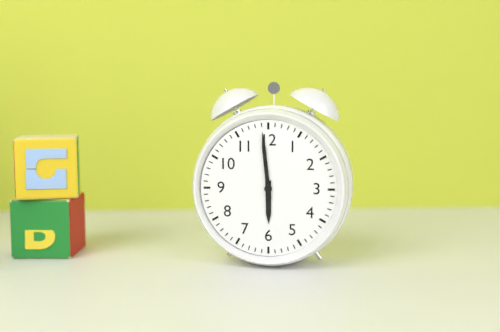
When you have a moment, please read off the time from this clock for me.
5:59
